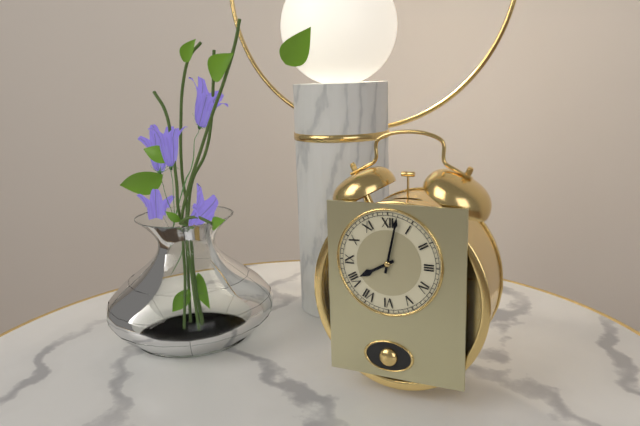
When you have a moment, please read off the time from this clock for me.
8:02
